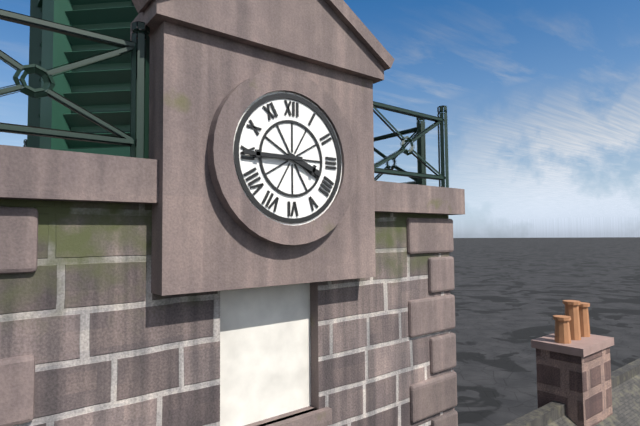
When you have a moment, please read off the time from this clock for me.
3:45
